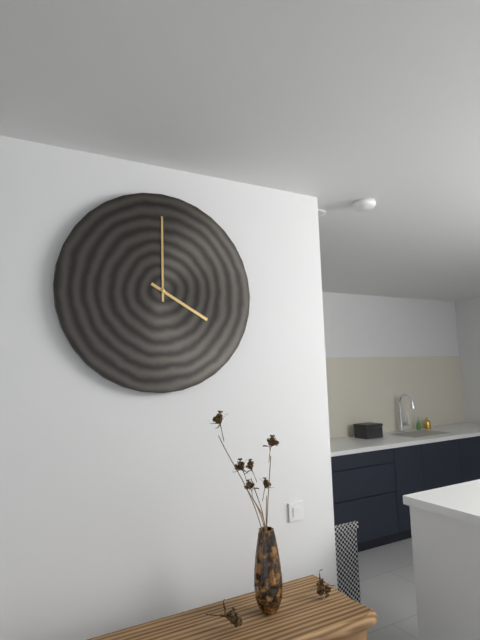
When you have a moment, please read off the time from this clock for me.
4:00
